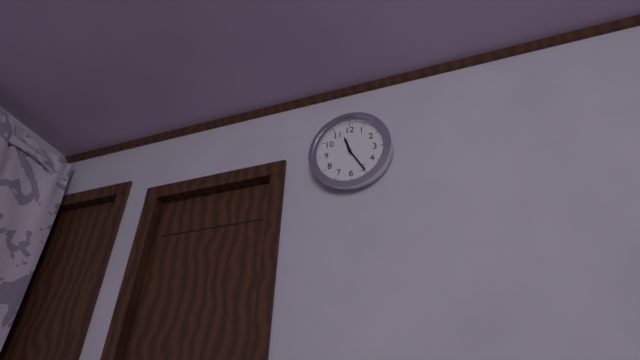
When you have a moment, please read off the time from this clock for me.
11:25
